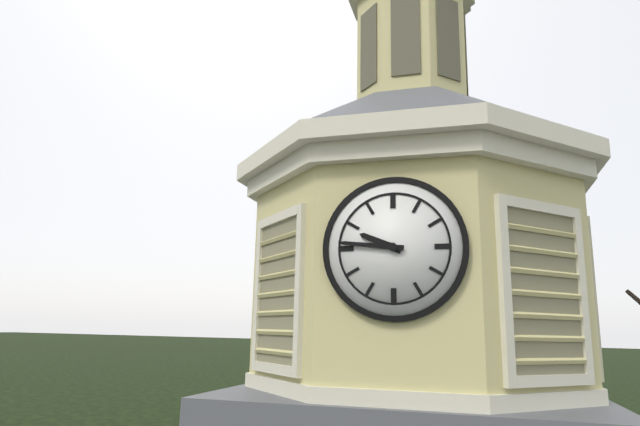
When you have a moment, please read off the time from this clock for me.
9:46
